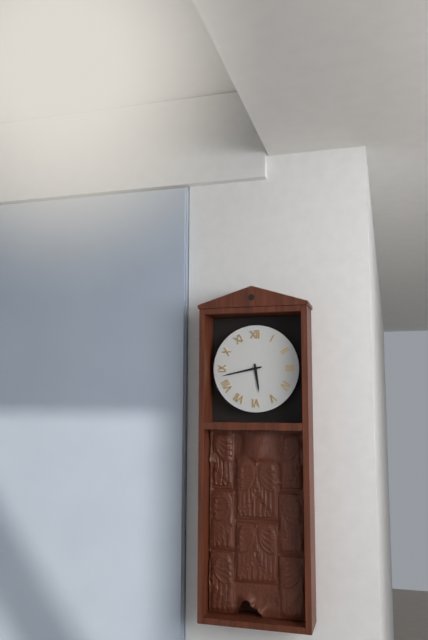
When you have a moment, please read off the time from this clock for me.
5:43
